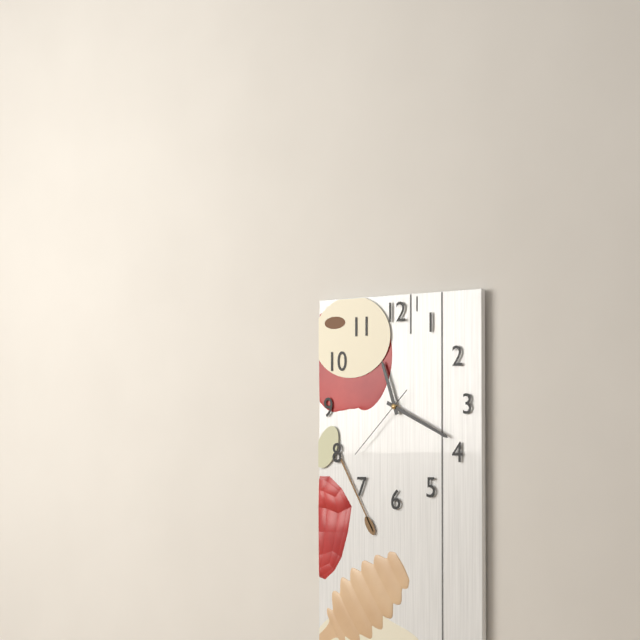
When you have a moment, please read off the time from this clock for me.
11:19:38
